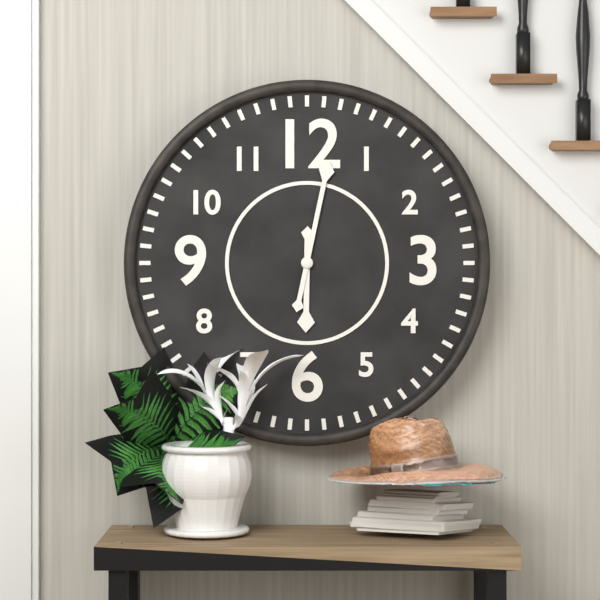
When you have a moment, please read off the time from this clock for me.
6:02
